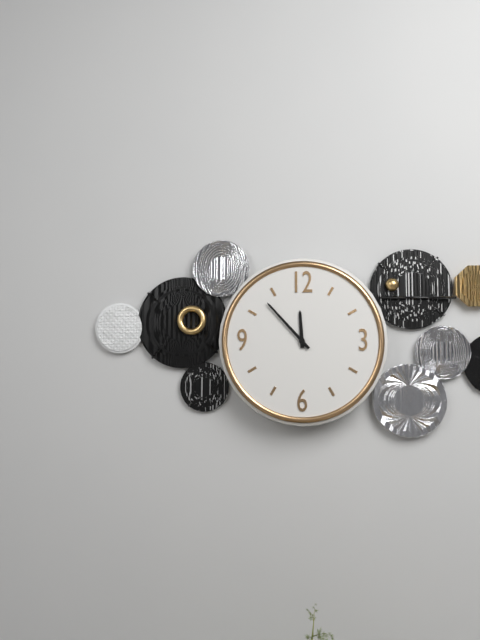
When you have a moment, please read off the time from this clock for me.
11:53
